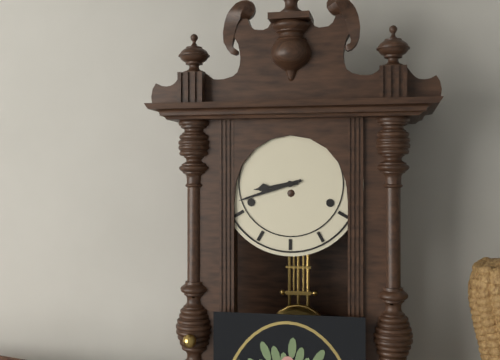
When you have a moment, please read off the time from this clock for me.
8:42
